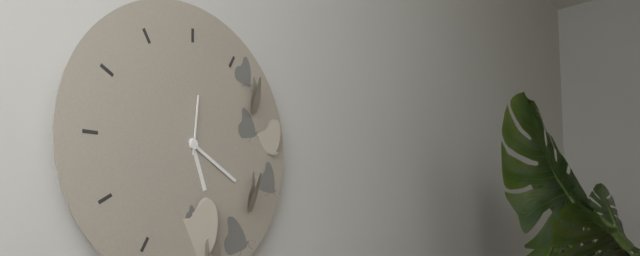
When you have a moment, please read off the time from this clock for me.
5:20:01
